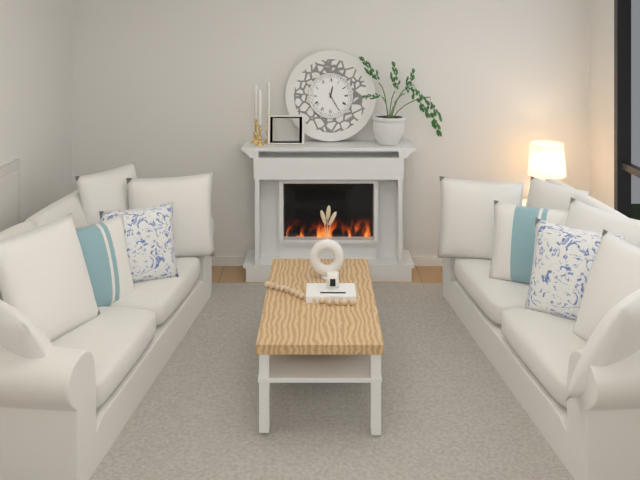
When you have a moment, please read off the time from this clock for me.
12:25
